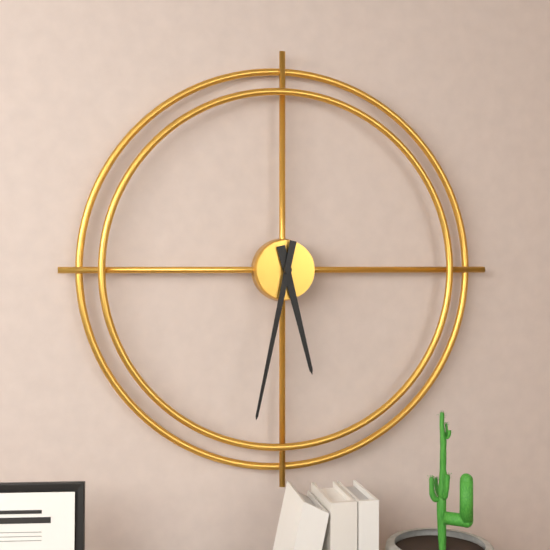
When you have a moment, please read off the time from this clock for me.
5:32
